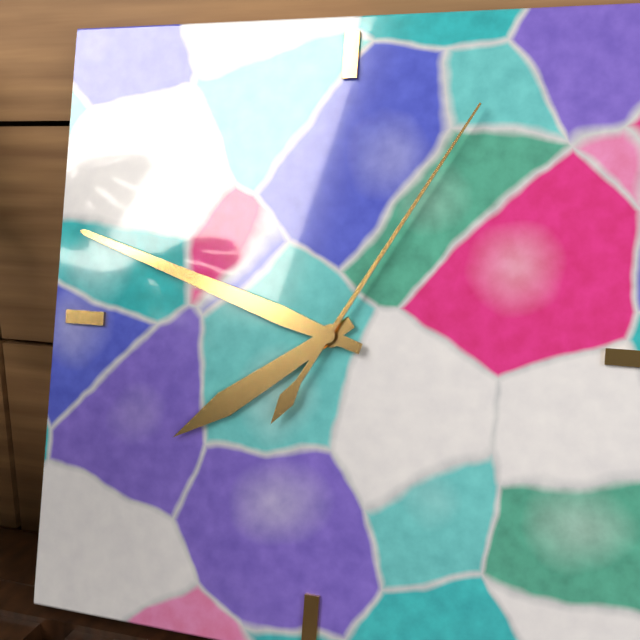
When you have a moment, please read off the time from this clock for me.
7:48:05
